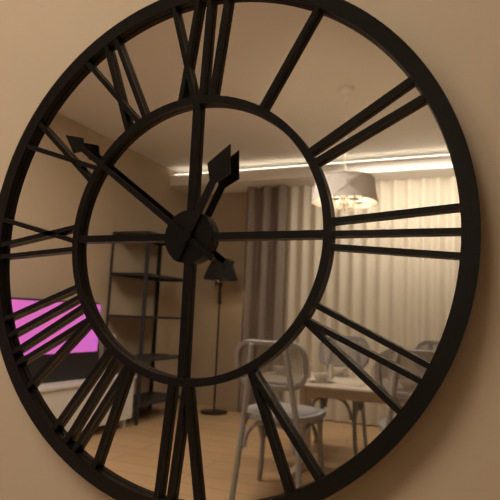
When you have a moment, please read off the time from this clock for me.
12:51
